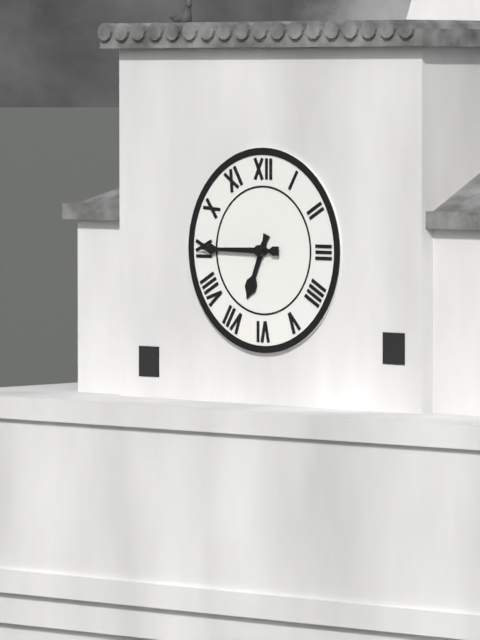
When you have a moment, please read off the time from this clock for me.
6:45
